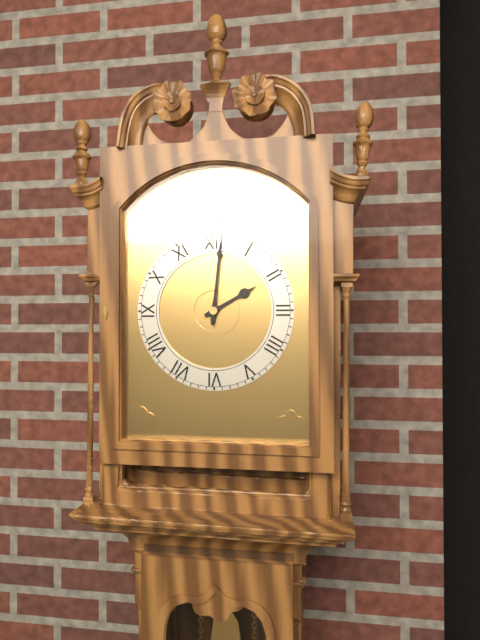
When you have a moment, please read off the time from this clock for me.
2:01
